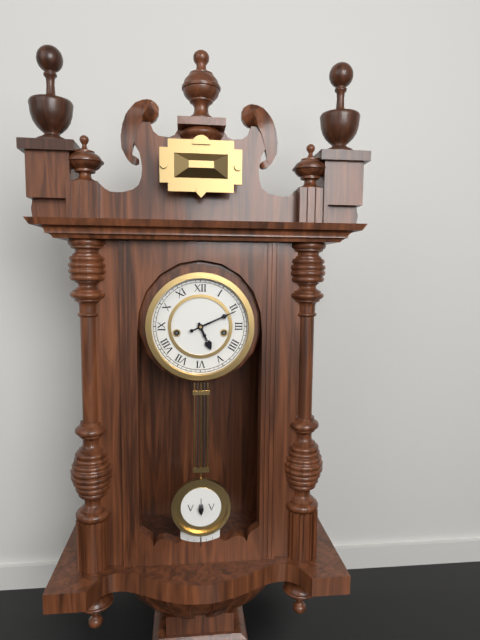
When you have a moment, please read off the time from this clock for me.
5:11
